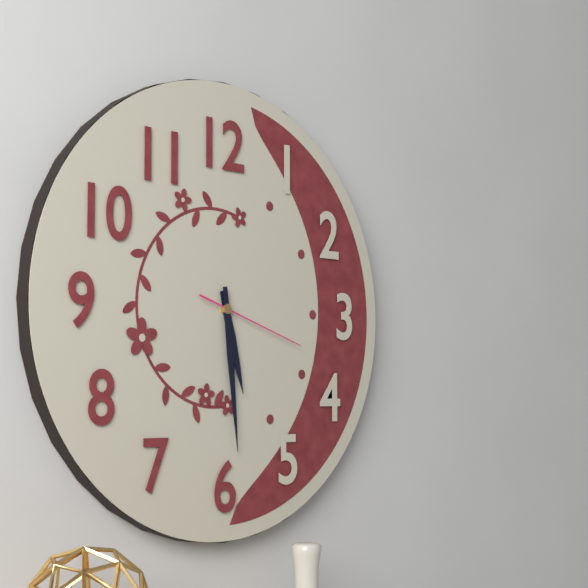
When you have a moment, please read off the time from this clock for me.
5:29:18
